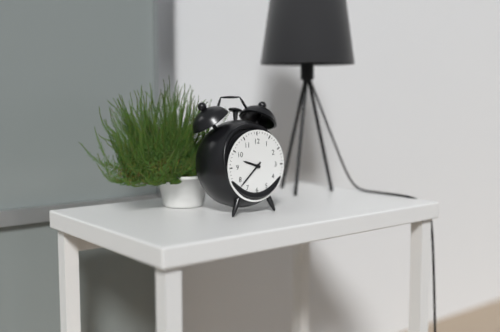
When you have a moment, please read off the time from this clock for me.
9:38
